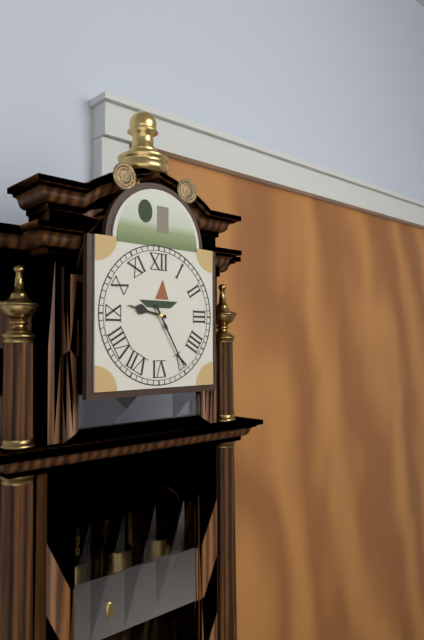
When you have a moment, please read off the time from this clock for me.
9:25
